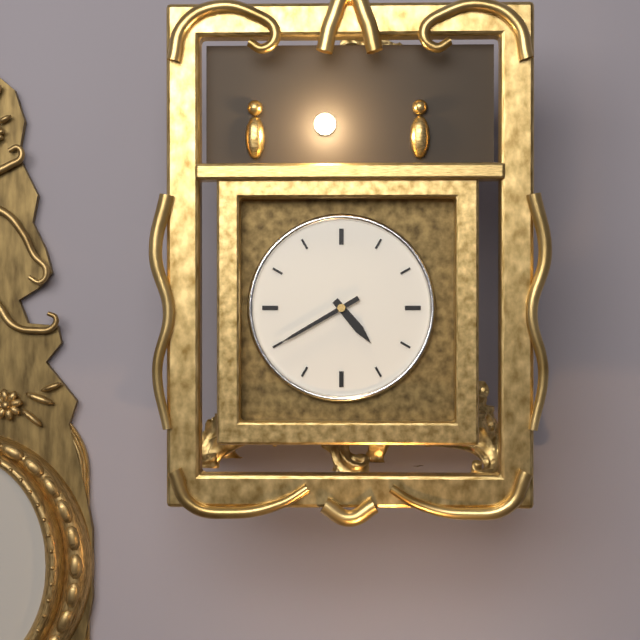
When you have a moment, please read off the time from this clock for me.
4:40
